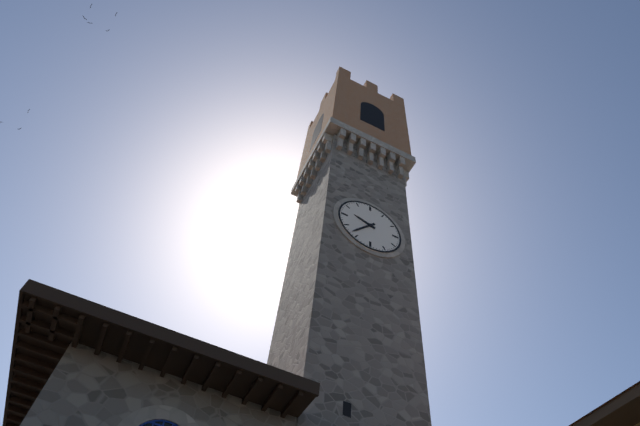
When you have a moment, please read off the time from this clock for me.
9:37
